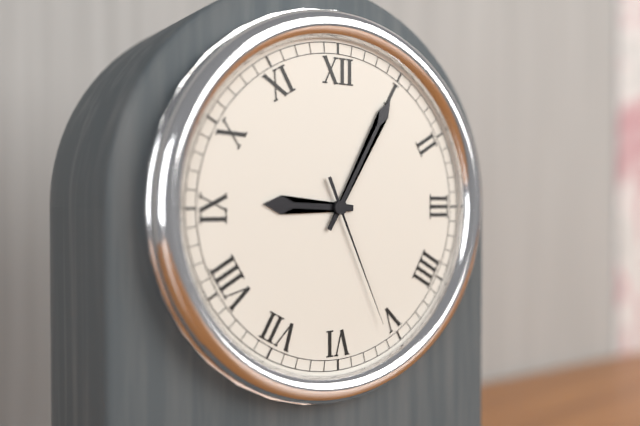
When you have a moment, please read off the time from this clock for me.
9:05:26
